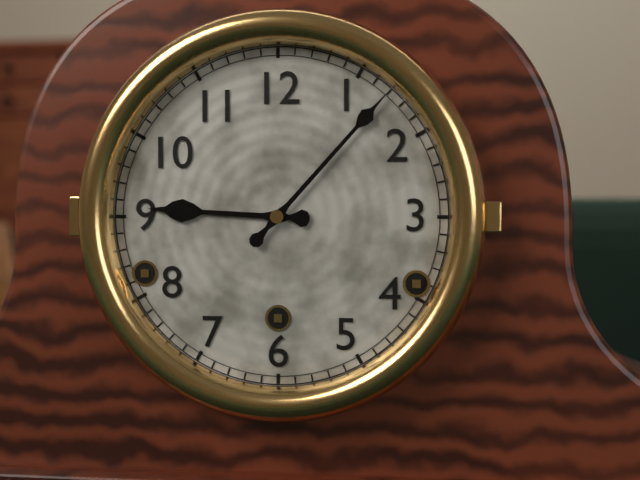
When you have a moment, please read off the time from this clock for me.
9:07
